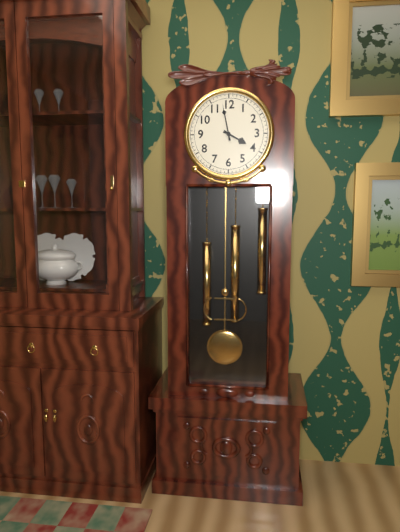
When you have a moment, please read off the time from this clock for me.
3:58
